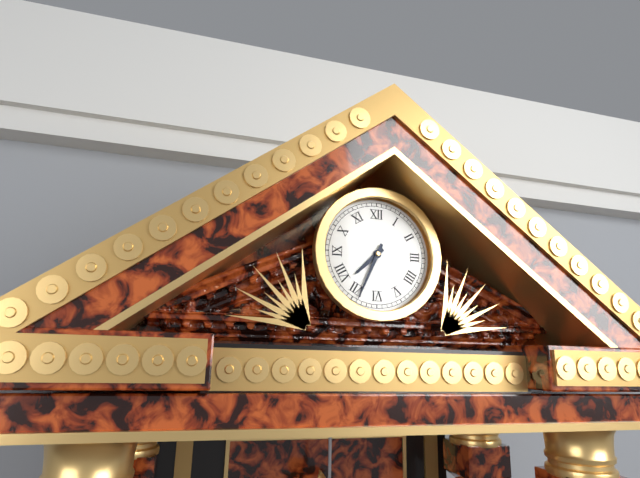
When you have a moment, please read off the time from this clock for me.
7:34
